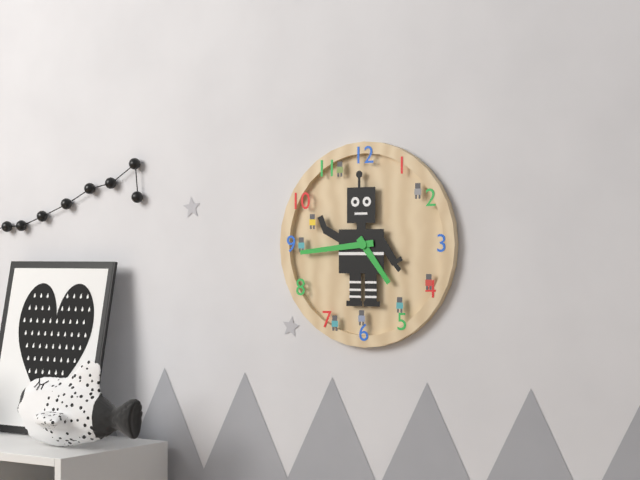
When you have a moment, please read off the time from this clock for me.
4:44
